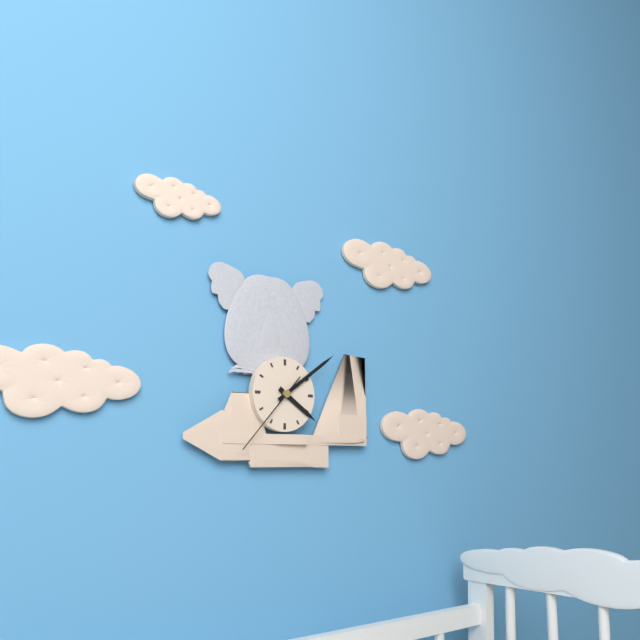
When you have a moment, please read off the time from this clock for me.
4:09:37
